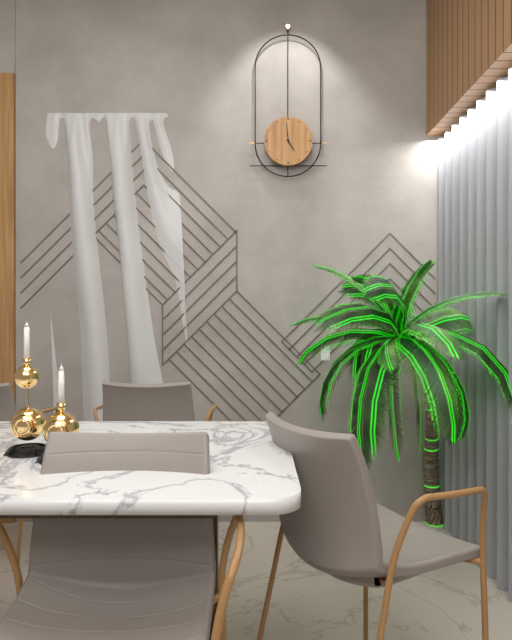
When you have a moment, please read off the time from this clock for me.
4:59
